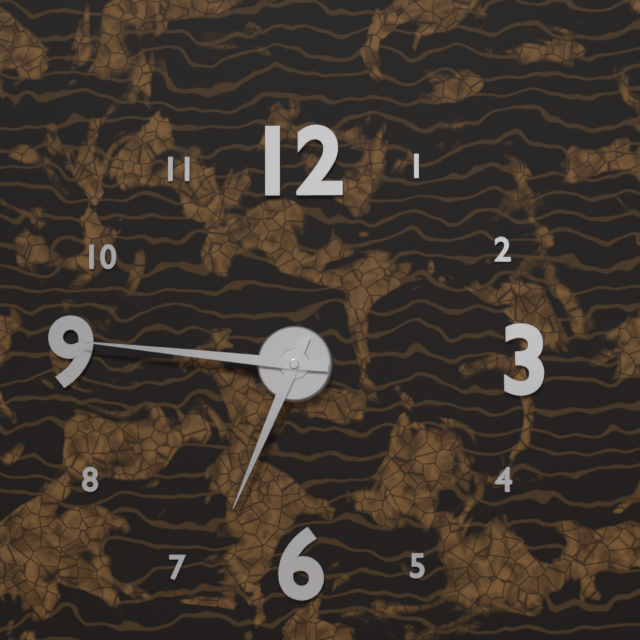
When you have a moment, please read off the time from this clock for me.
6:46
